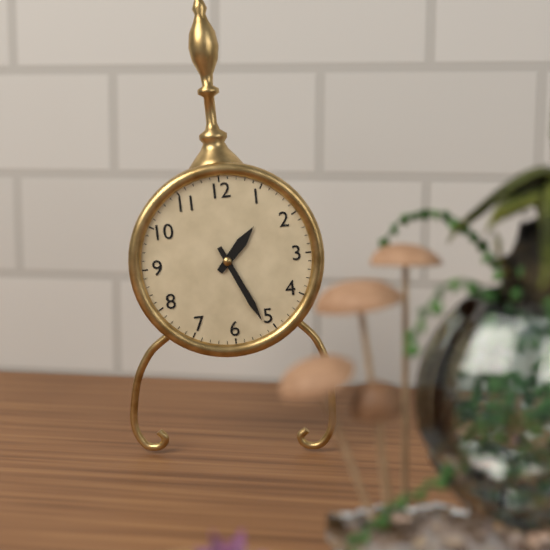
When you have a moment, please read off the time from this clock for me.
1:26
